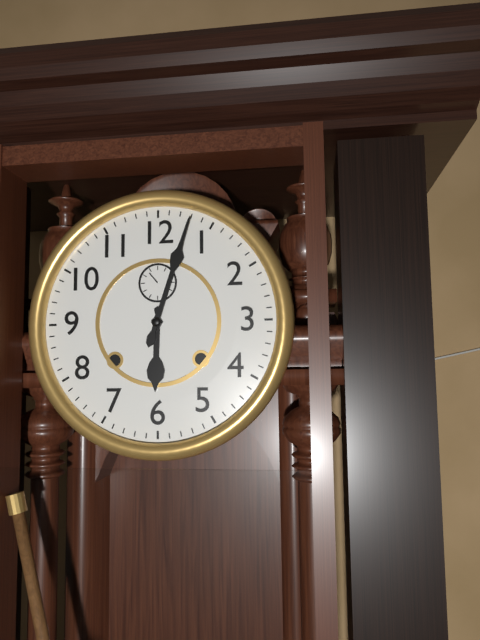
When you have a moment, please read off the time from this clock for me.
6:03
